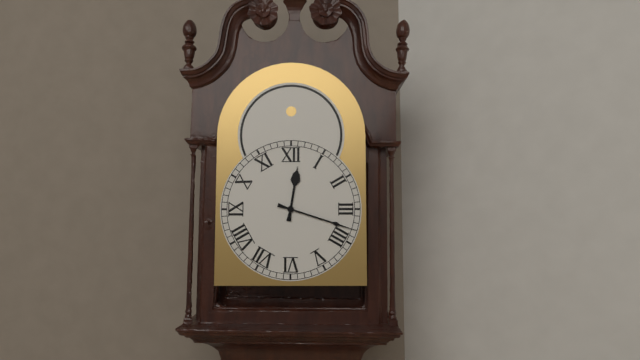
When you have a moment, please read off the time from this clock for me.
12:18
